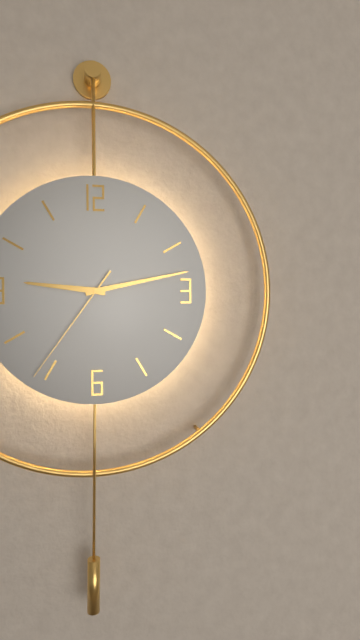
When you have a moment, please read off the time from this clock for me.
9:13:36
